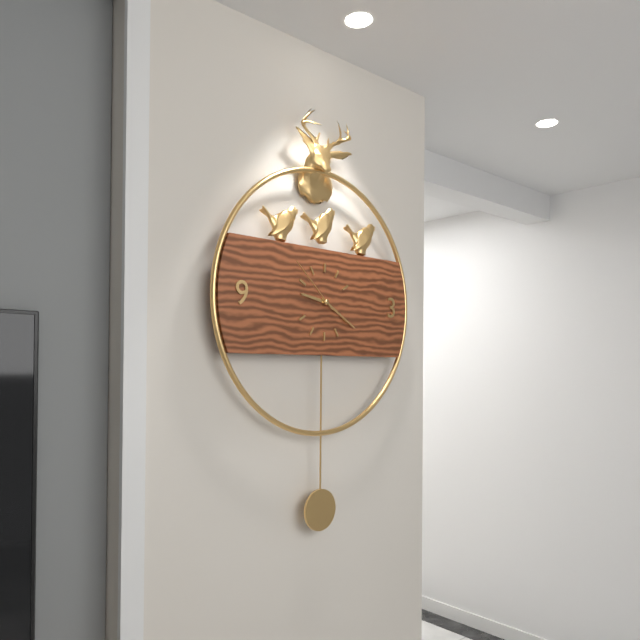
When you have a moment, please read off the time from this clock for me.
9:20:52
